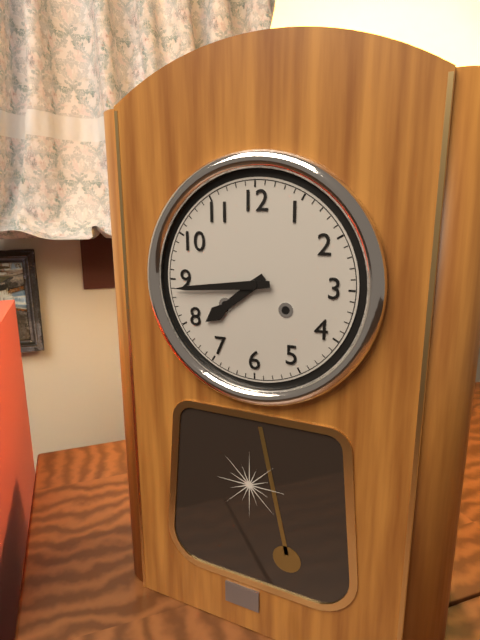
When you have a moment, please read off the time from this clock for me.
7:44
